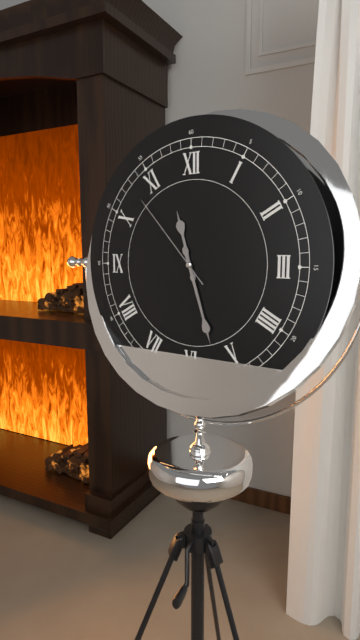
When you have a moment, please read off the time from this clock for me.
11:27:53
